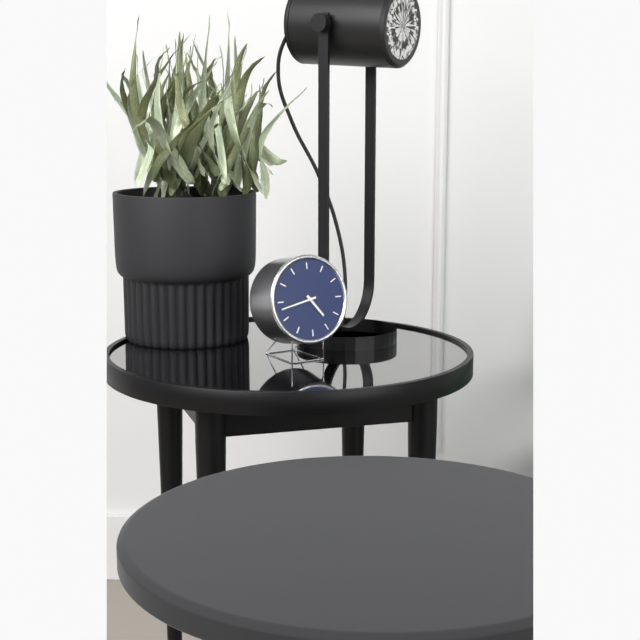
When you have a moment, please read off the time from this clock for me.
4:43
